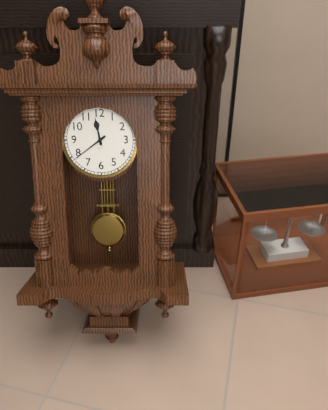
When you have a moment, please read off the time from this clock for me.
11:39
